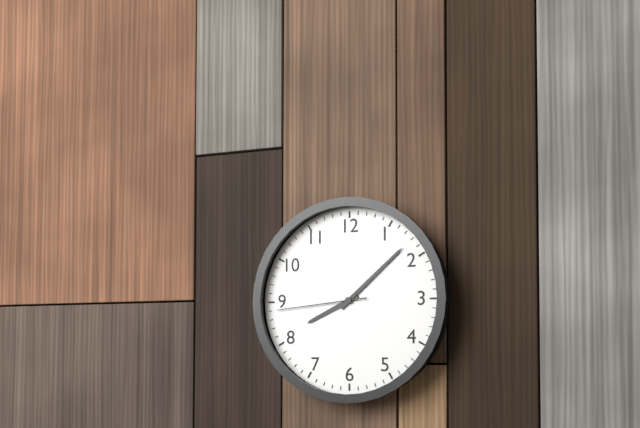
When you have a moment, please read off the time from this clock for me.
8:08:44
